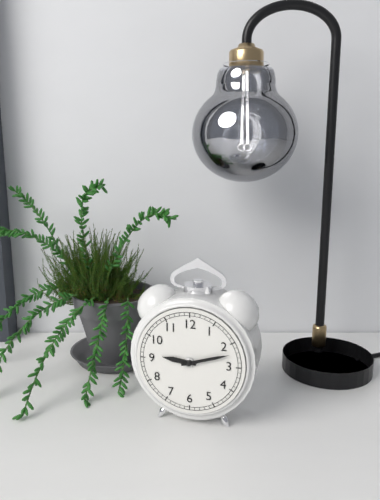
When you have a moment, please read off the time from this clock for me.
9:12
